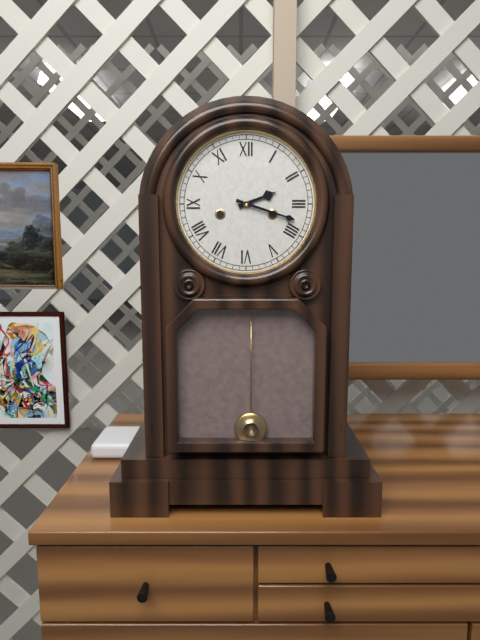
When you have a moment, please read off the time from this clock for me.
2:18
